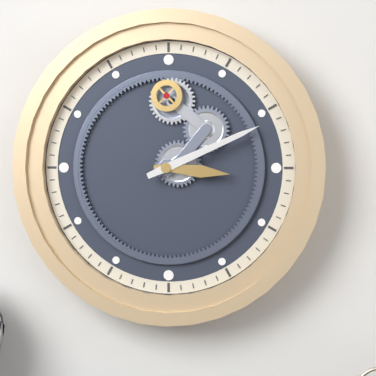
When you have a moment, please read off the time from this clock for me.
3:11
